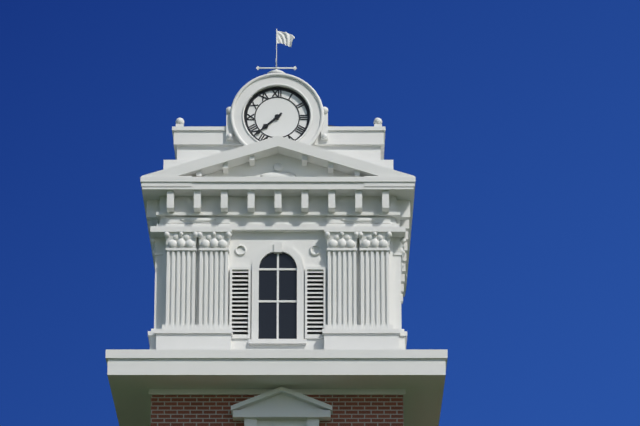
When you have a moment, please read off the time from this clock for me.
7:38
